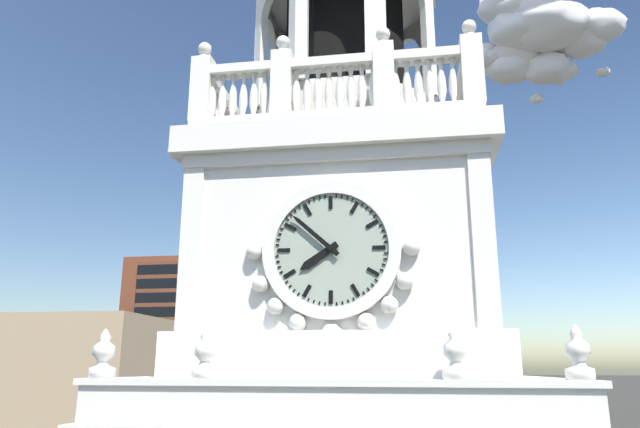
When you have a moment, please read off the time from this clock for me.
7:52
